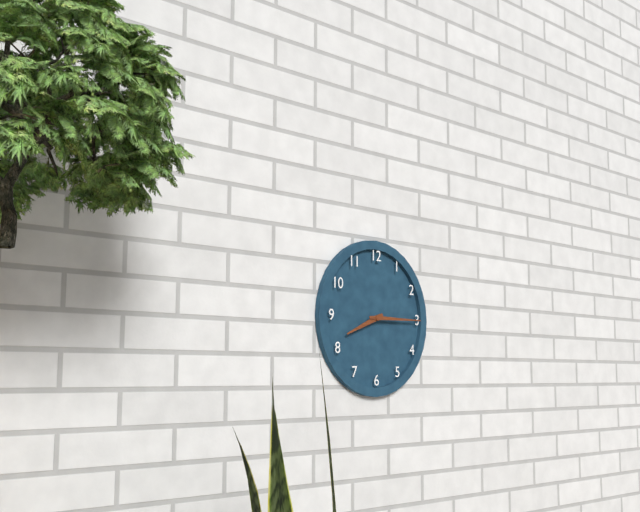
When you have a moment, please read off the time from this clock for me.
8:15
